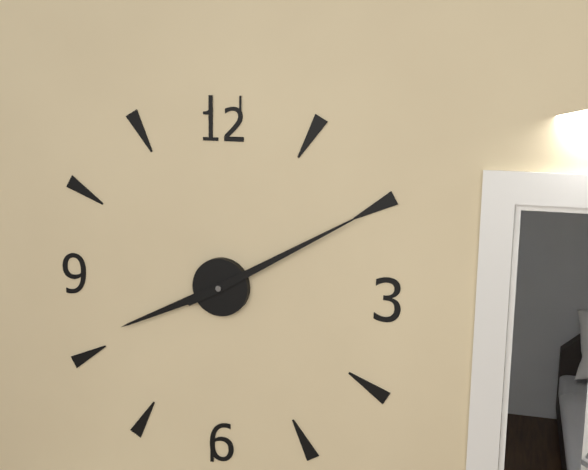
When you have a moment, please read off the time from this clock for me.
8:10
